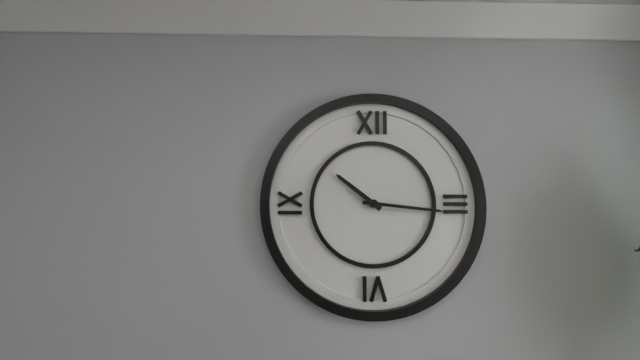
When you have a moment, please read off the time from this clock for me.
10:16
